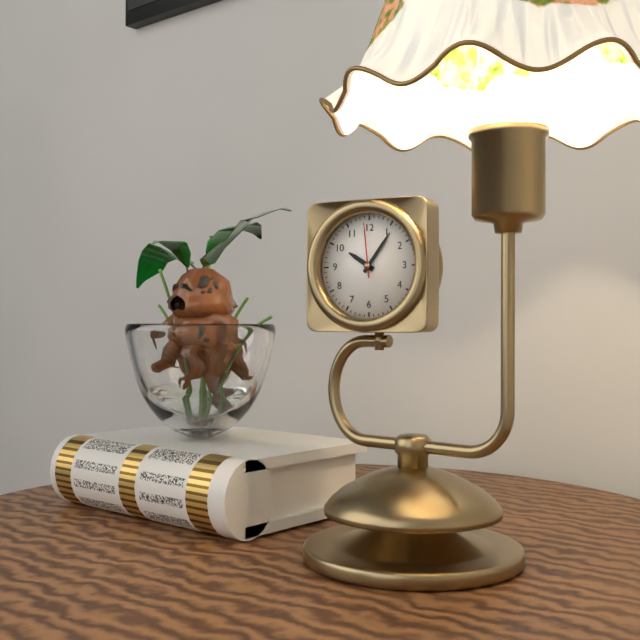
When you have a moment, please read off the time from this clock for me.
10:06:59
